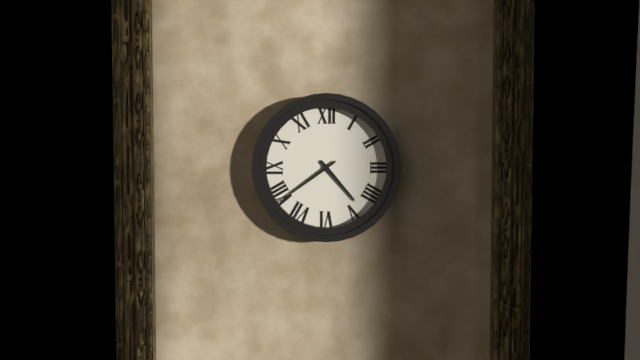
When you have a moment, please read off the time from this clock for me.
4:39
